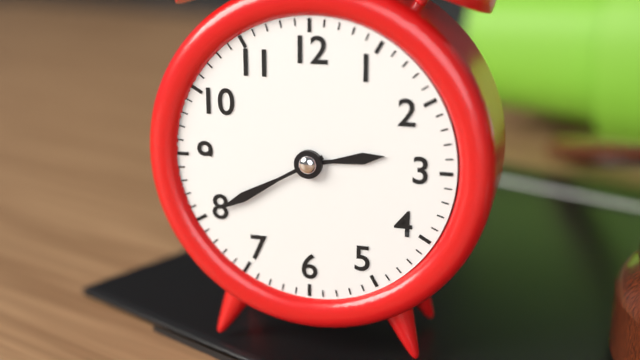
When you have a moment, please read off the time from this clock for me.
2:40
